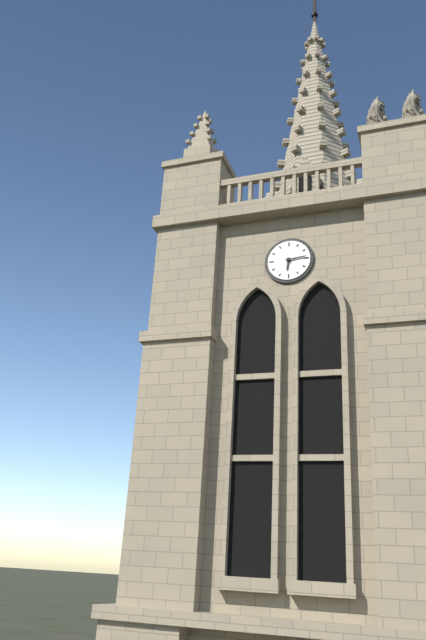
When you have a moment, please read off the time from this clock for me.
6:14
